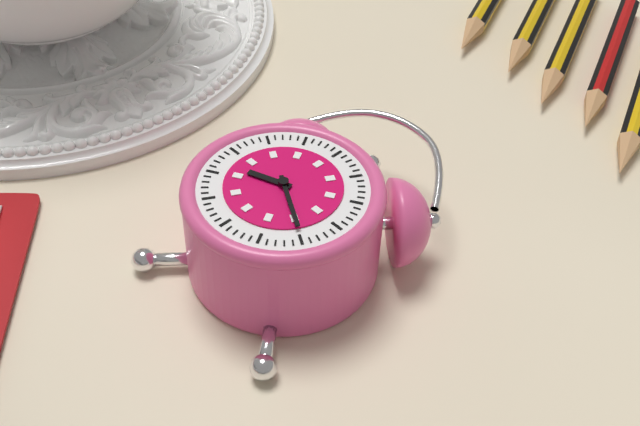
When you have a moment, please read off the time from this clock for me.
8:20
